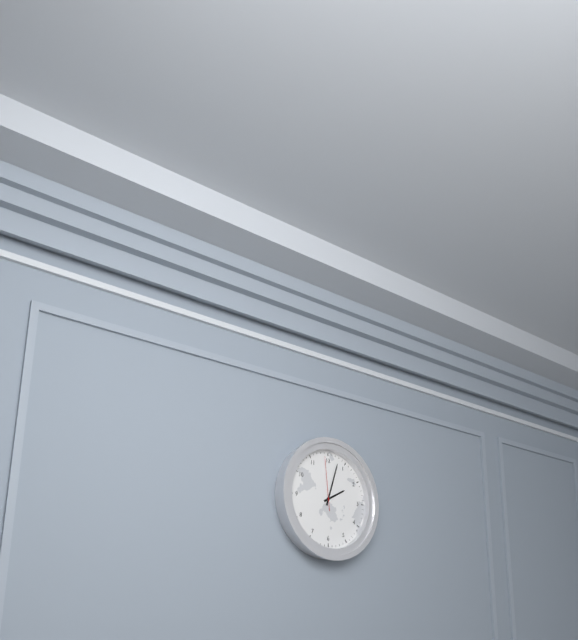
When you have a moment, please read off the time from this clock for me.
2:03:59
